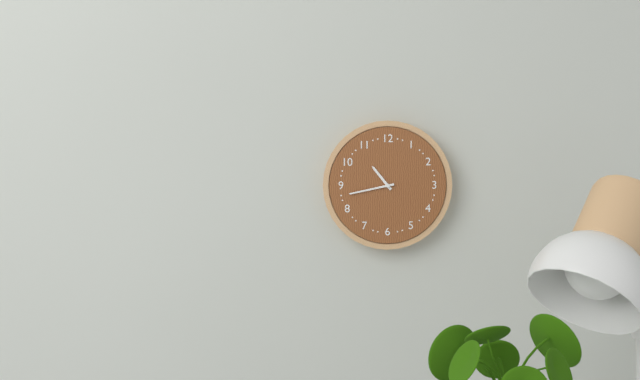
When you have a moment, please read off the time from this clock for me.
10:43
